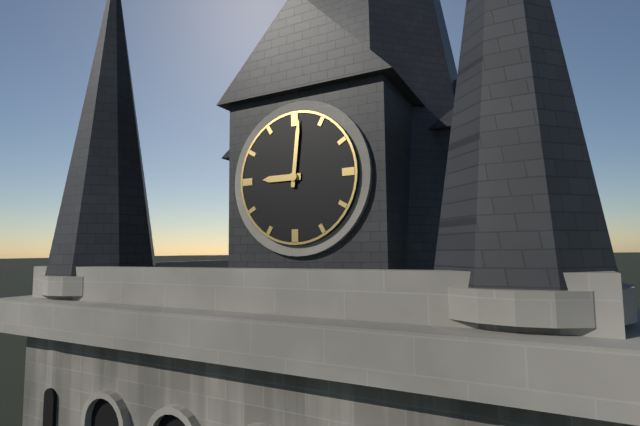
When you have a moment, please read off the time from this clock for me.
9:01
